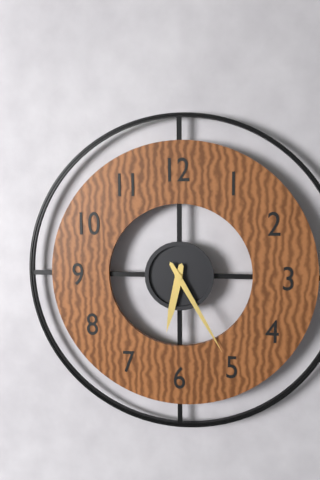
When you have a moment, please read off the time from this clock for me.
6:25
